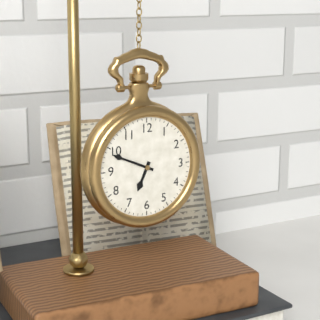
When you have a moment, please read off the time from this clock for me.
6:49
